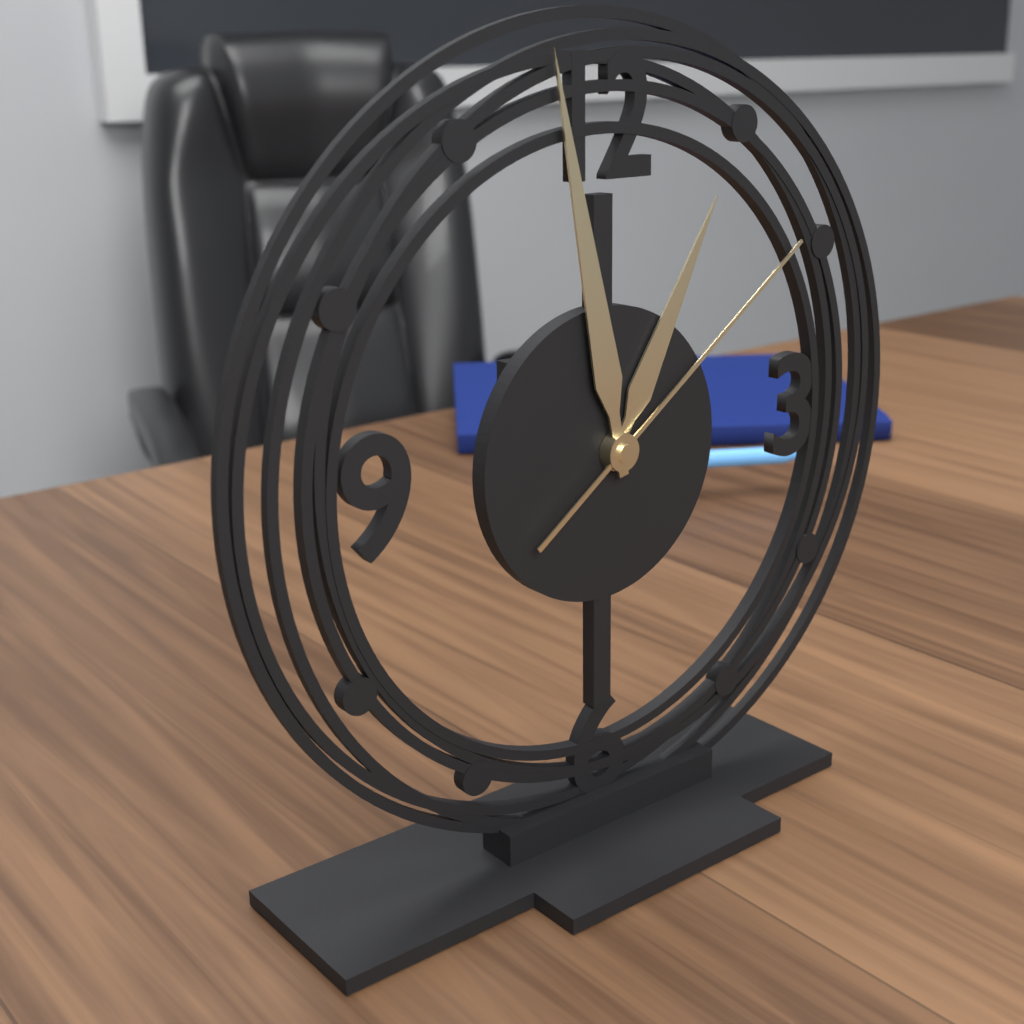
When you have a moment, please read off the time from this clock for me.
12:58:09
